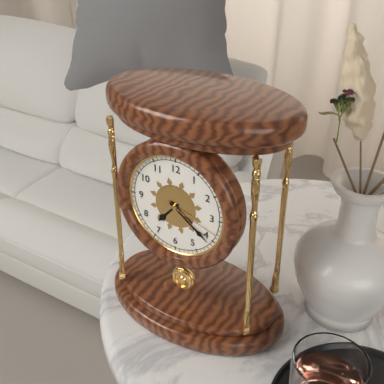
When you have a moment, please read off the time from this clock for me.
7:21:18
